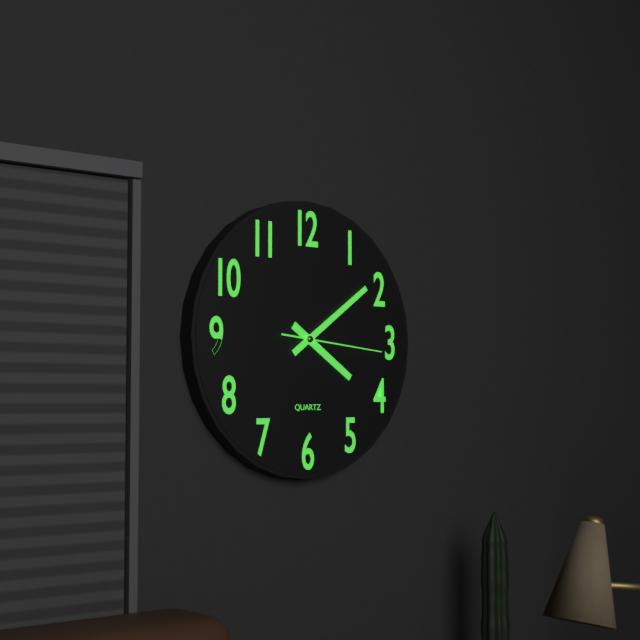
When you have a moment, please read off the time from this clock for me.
4:09:16
